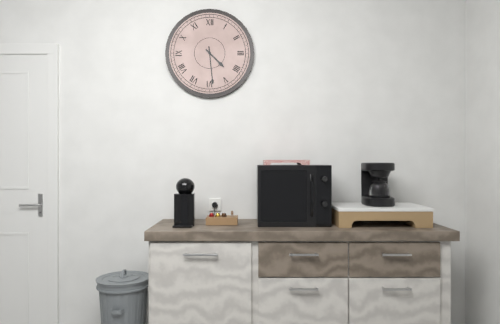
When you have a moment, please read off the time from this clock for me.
4:29
